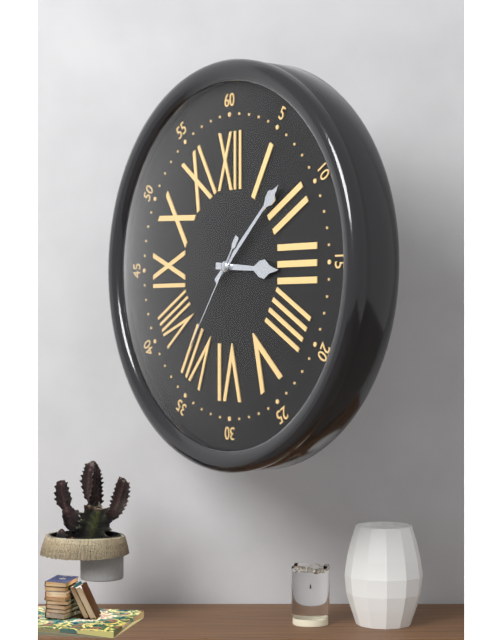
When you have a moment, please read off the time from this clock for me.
3:08:36
